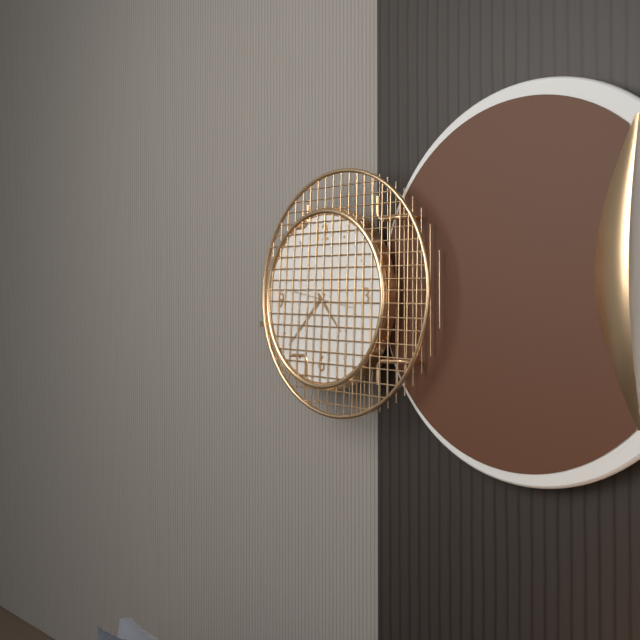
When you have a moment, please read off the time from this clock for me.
4:38
